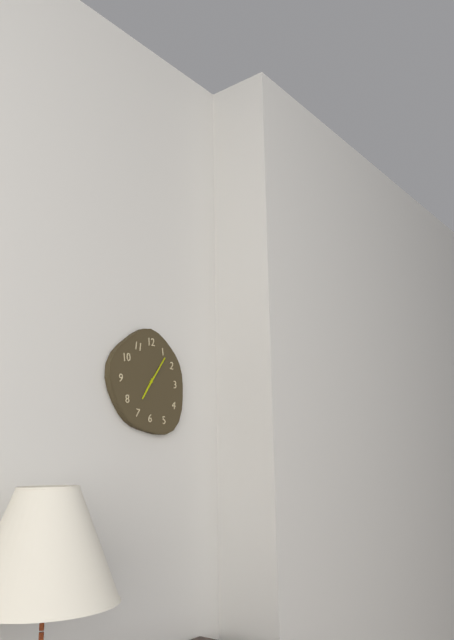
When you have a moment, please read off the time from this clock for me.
7:06
